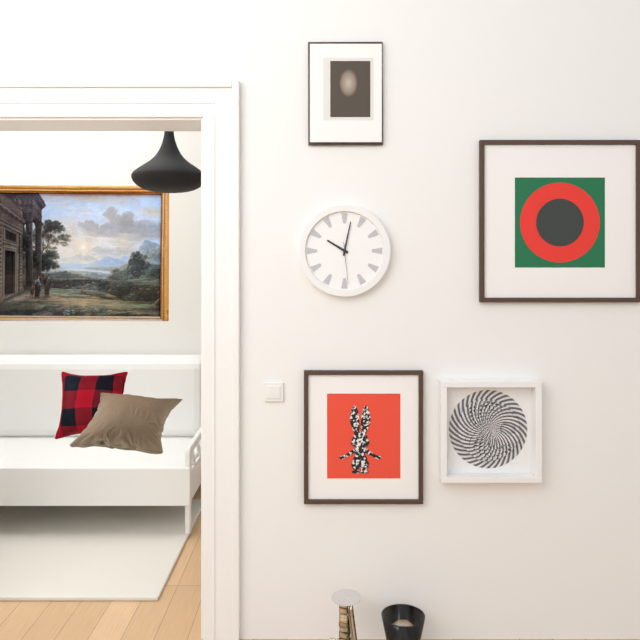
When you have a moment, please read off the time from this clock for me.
10:02
